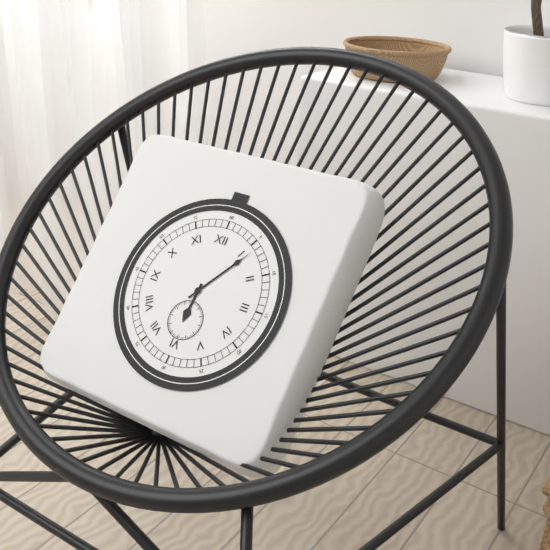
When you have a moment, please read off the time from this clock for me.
6:06
